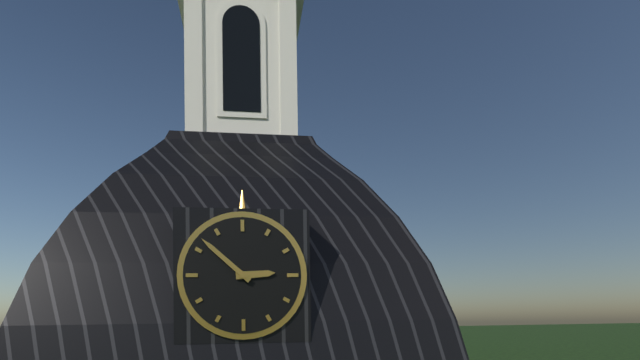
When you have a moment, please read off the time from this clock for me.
2:52
